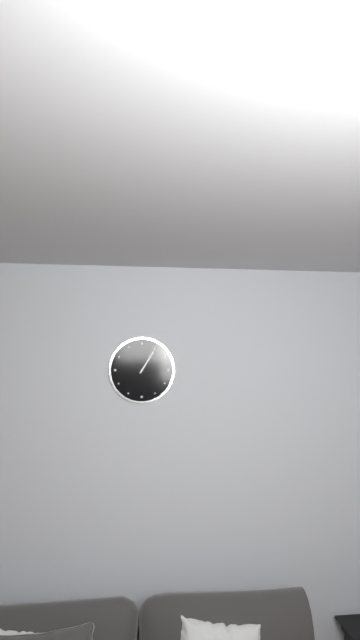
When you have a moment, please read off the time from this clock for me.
1:05
